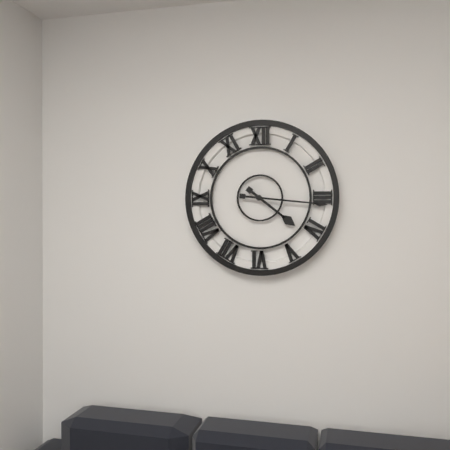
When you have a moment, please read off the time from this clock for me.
4:16
